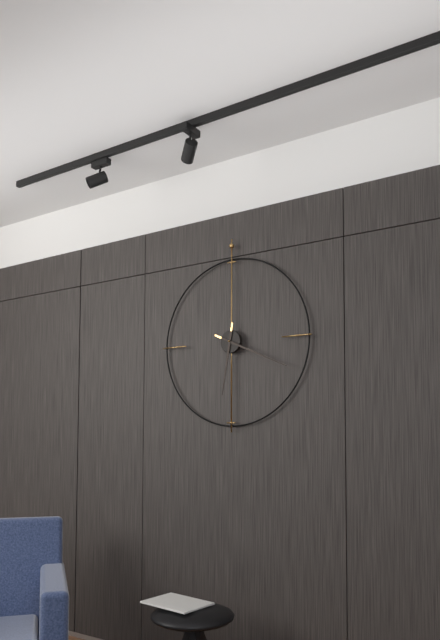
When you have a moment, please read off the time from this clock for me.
6:19
